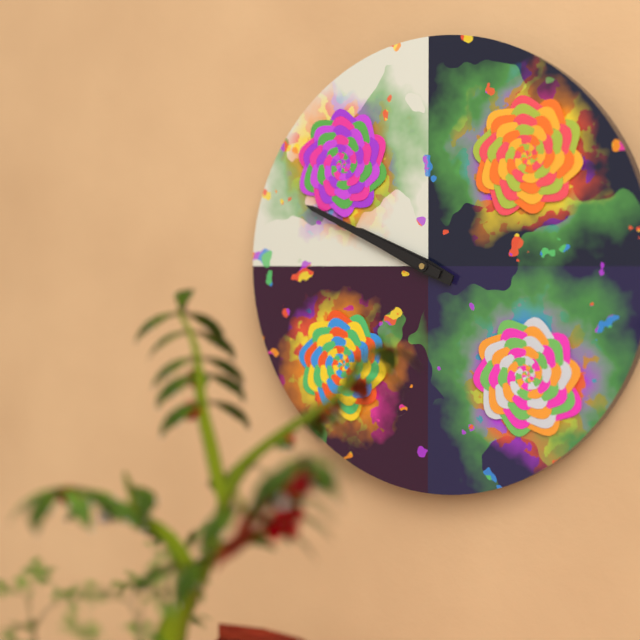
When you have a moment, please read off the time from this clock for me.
9:49
